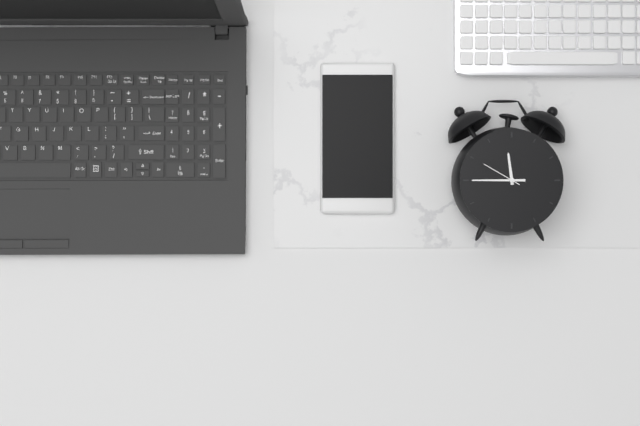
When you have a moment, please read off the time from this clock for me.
11:45
